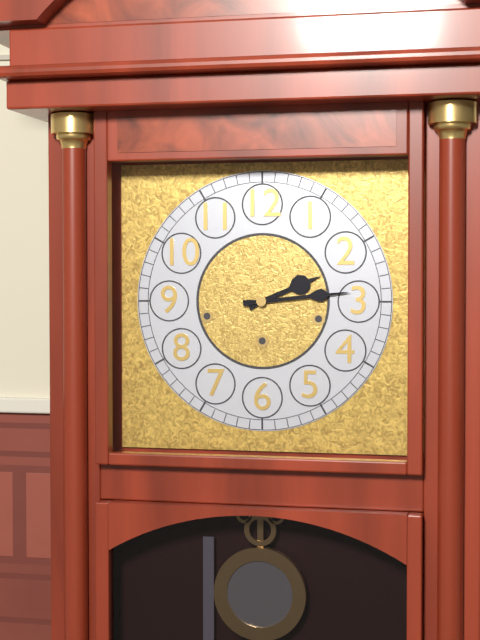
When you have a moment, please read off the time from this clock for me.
2:14
